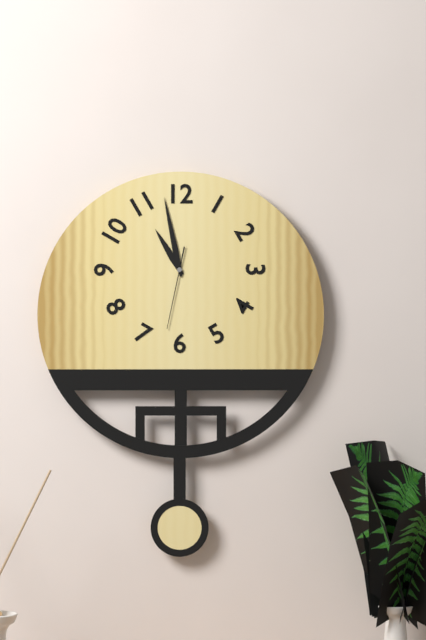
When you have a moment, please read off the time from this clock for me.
10:58:32
